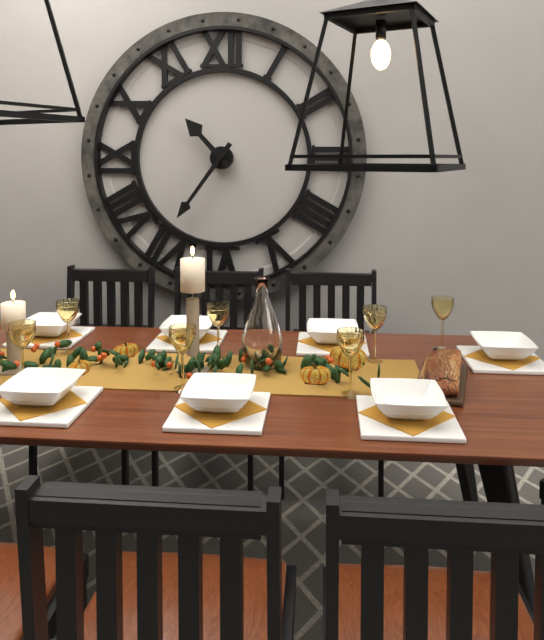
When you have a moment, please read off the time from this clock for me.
10:36
